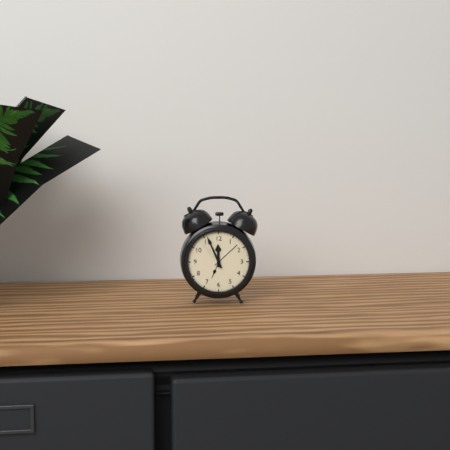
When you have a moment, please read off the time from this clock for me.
11:56
